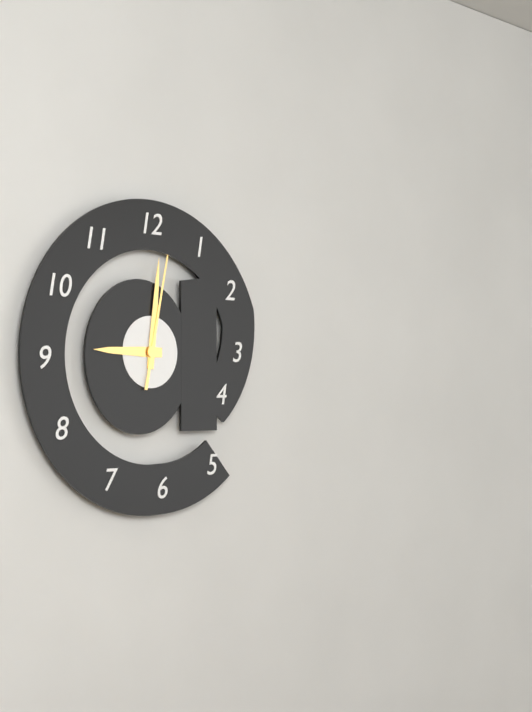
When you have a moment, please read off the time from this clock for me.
9:01:02
